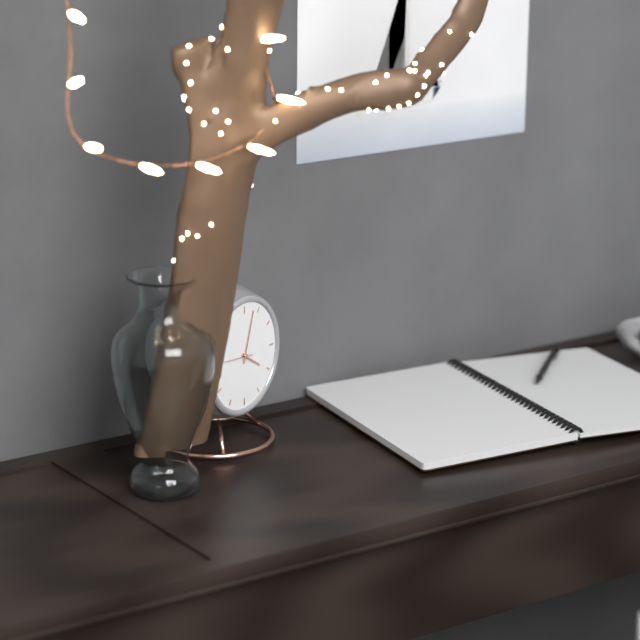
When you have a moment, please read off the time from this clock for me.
4:03
